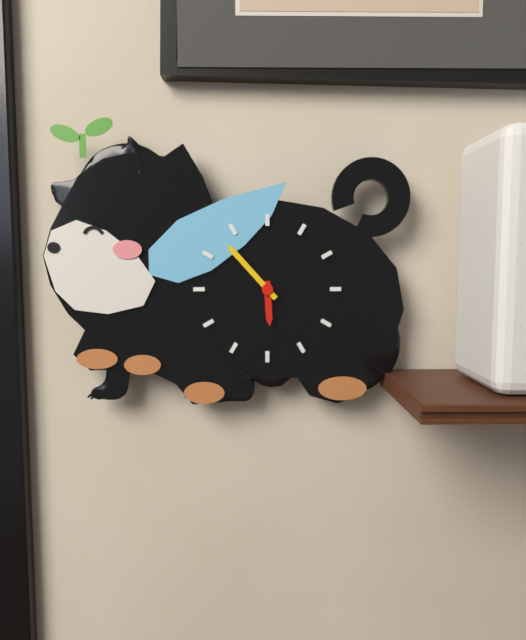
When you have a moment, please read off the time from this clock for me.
5:53
